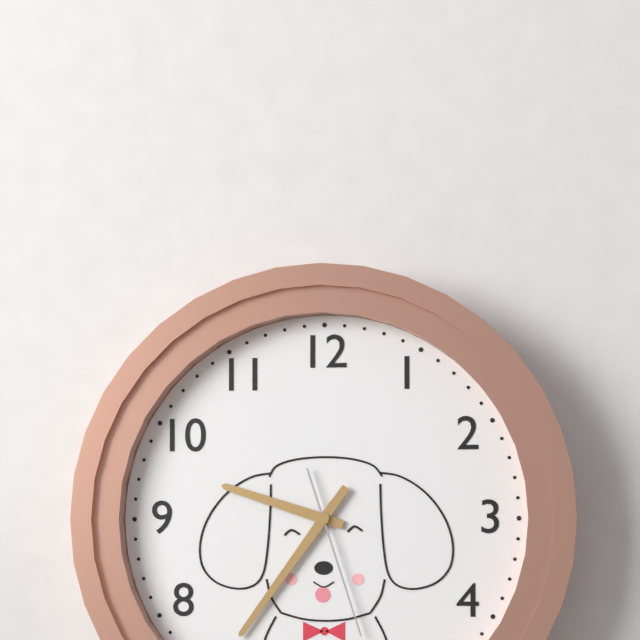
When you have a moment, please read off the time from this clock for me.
9:36:27
